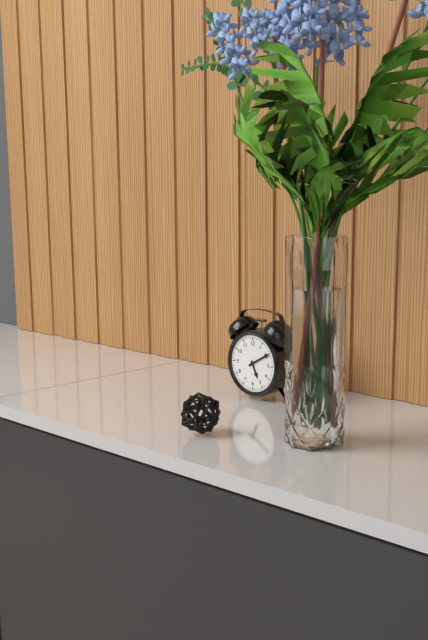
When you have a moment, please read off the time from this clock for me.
5:10
